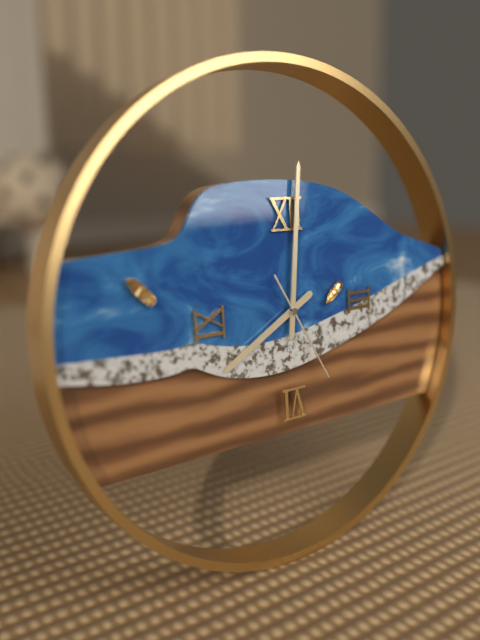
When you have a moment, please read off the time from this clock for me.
8:01:25
